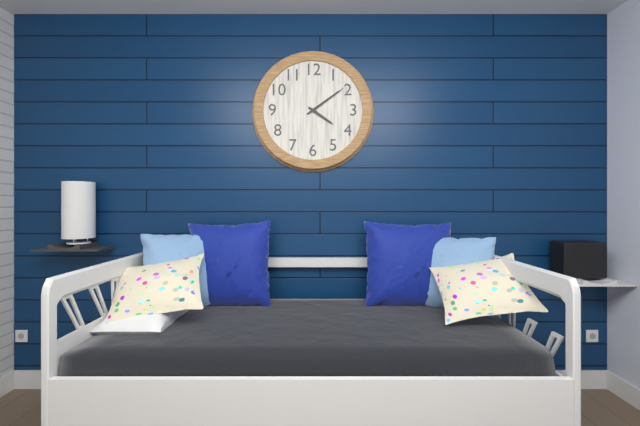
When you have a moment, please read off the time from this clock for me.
4:09
